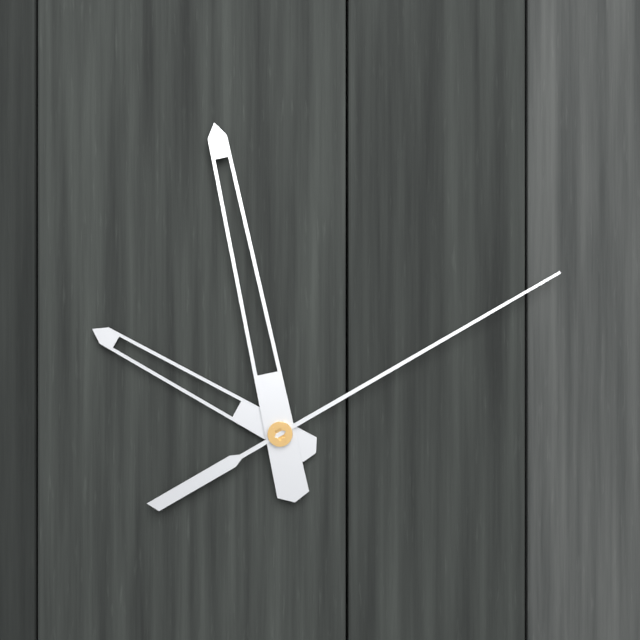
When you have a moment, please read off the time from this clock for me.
9:58:10
